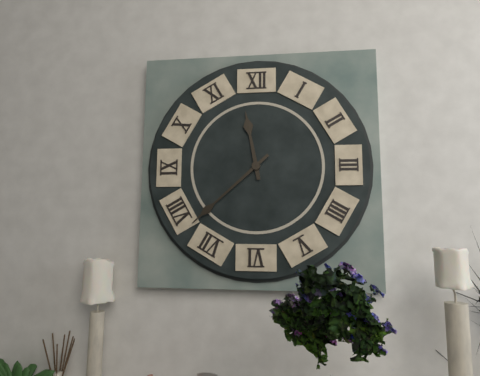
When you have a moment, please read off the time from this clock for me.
11:38
